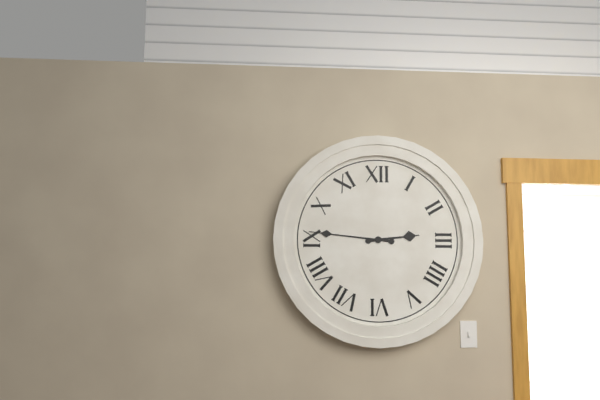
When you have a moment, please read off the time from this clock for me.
2:46
